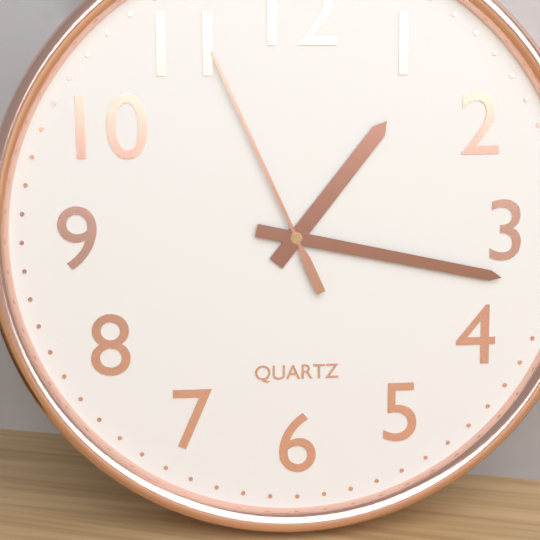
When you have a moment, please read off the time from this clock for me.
1:17:56
